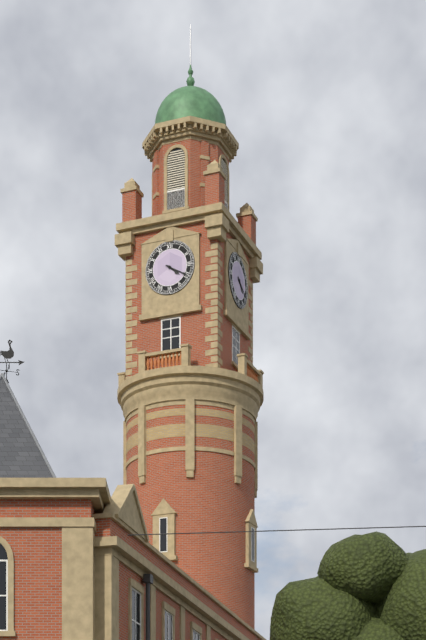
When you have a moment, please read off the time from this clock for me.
4:20
